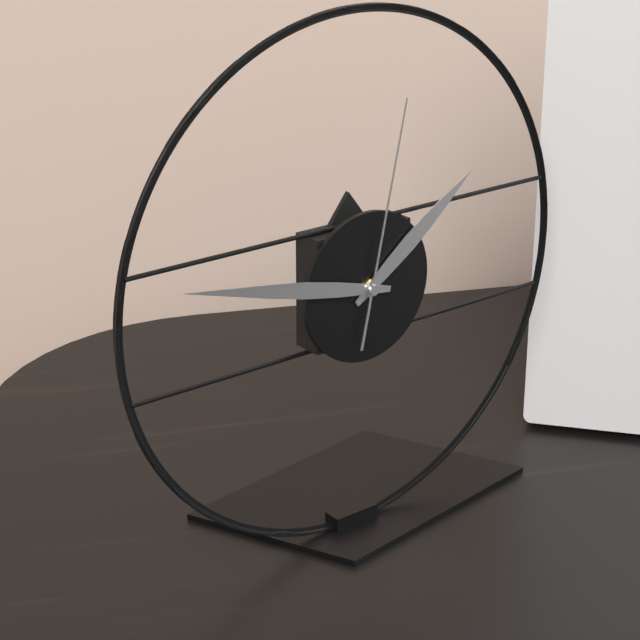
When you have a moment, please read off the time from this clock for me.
1:47:02
